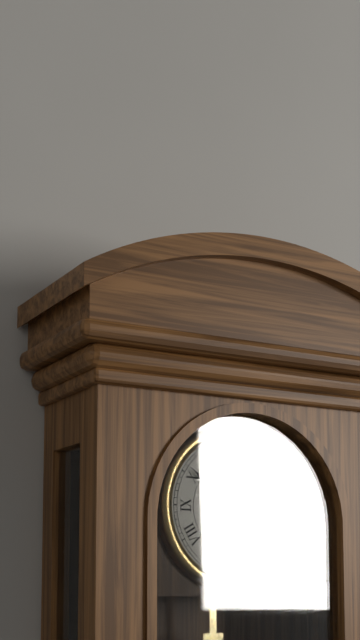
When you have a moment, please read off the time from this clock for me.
3:51
